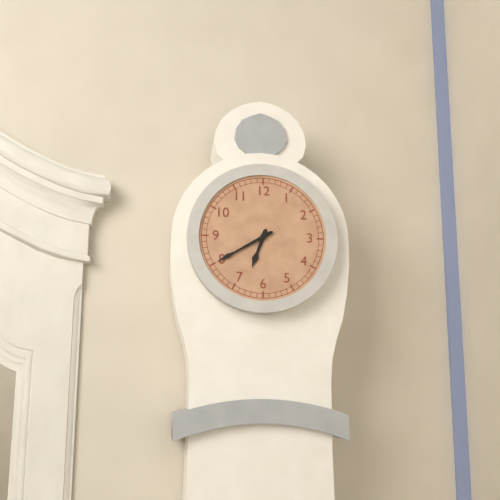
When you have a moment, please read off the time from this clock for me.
6:40
